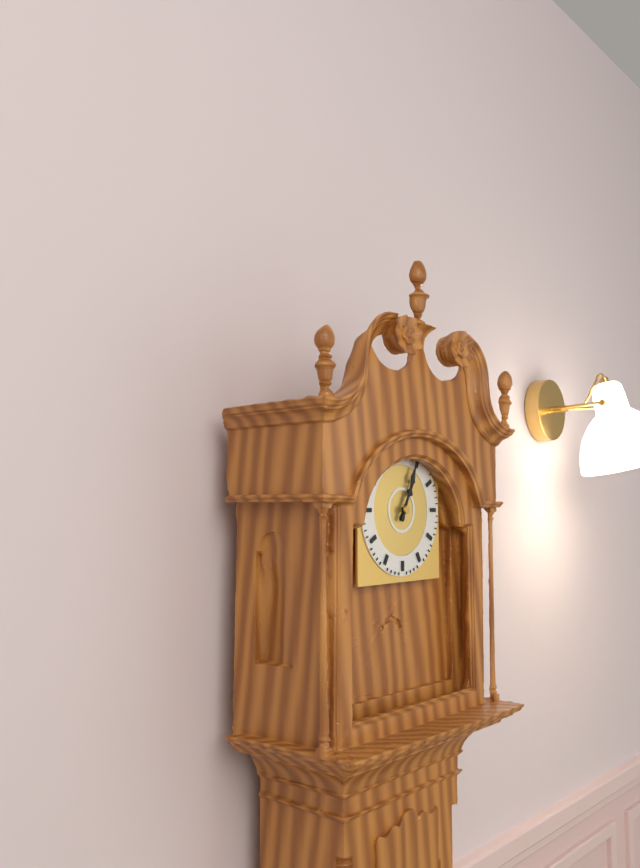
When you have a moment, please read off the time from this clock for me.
1:04
